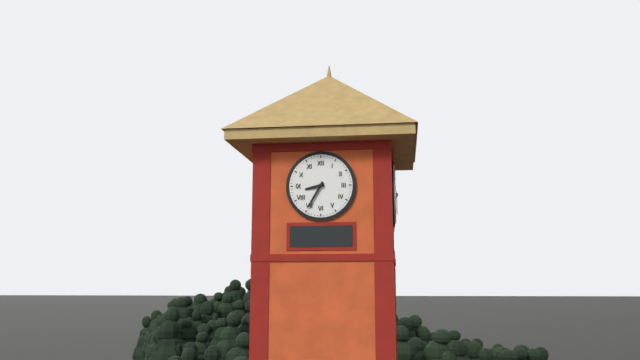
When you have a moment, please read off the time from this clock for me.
8:35
